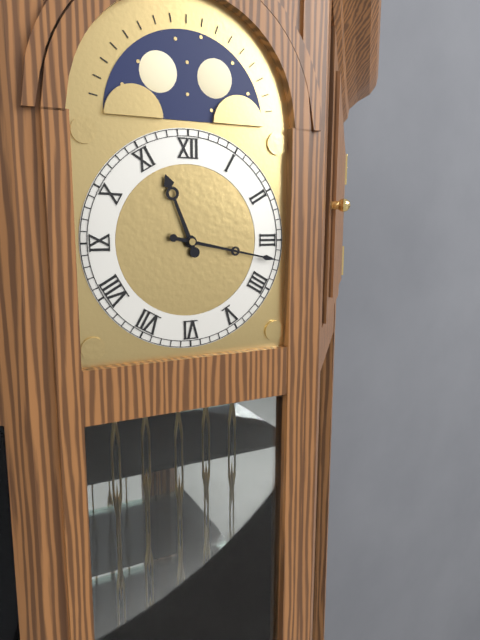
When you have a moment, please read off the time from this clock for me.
11:17
